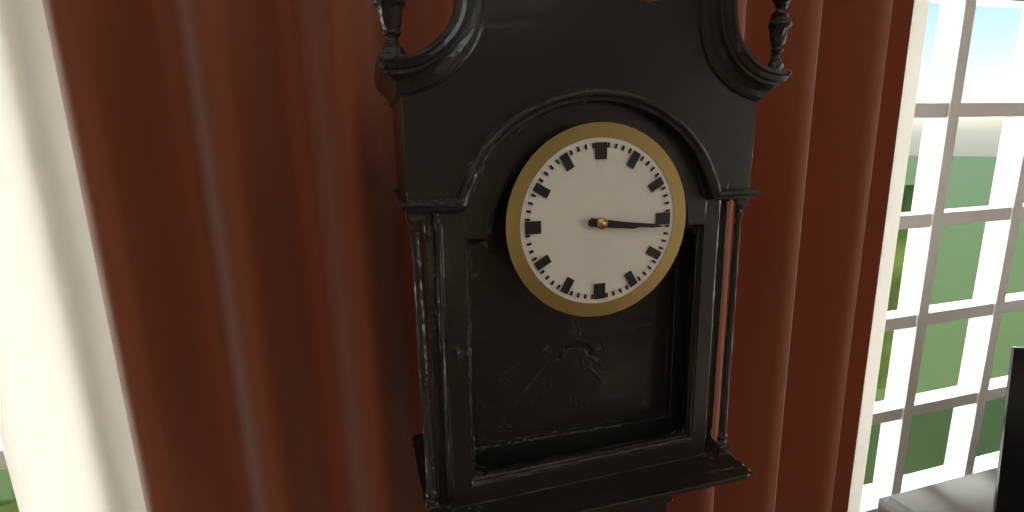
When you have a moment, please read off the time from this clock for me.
3:16
